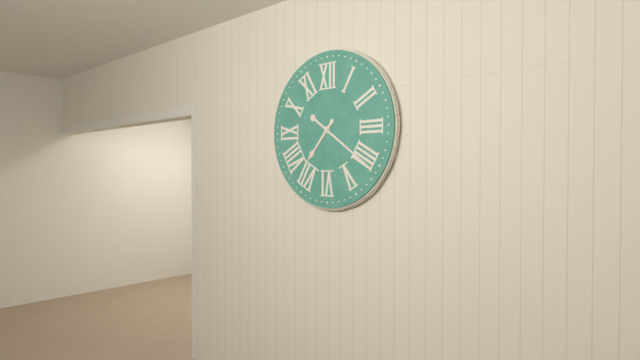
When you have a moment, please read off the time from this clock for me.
7:21
